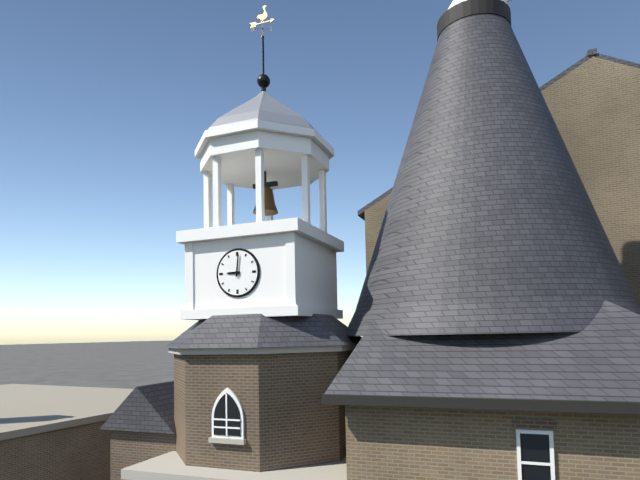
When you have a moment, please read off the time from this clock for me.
9:01
